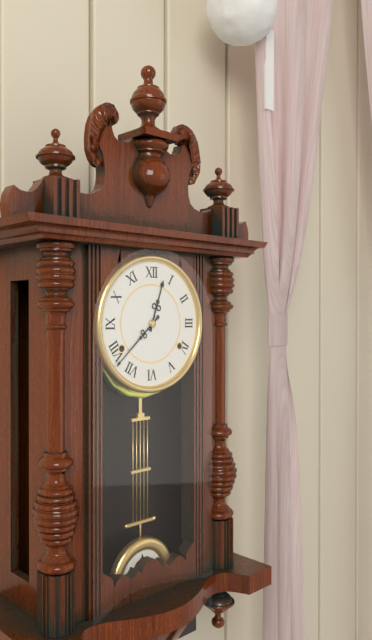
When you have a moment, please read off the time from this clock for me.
12:38
